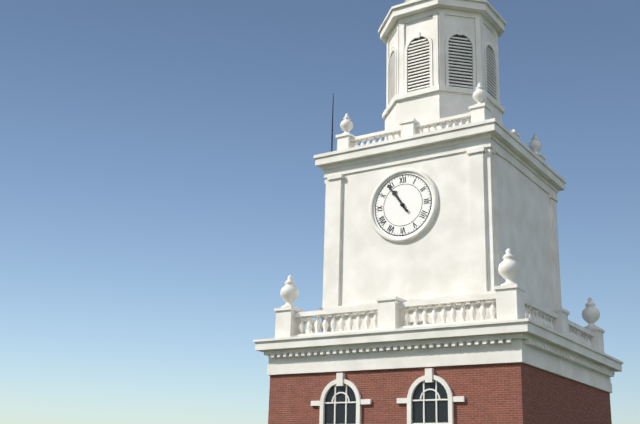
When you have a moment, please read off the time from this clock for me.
10:54
